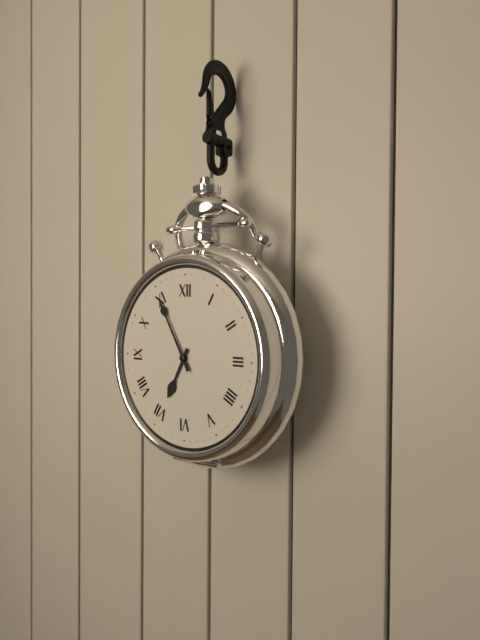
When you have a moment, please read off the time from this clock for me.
6:55
